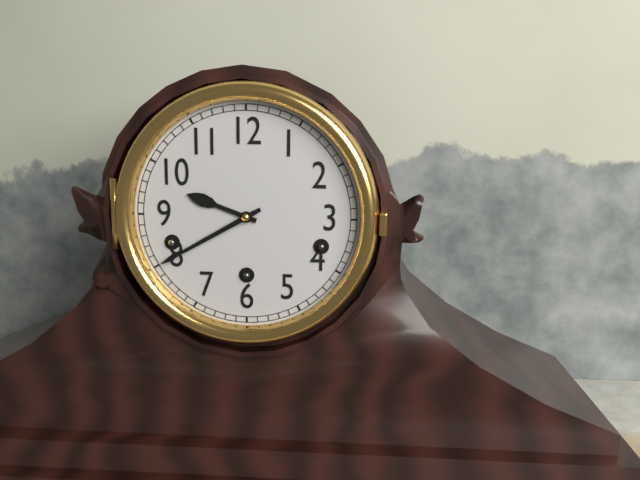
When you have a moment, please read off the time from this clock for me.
9:40
